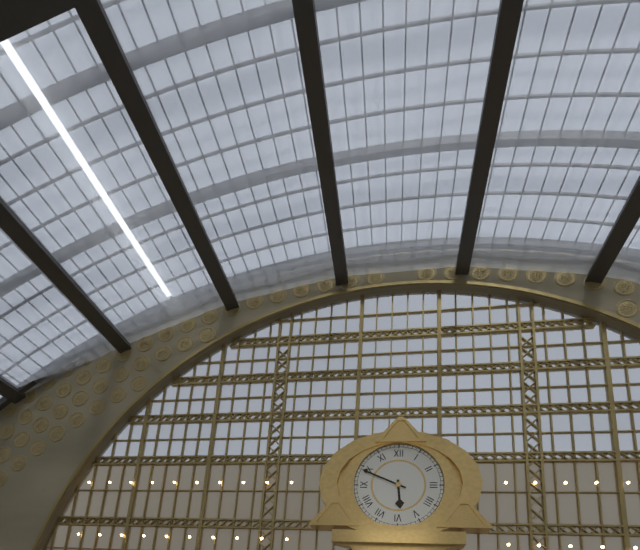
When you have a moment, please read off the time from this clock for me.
5:49
